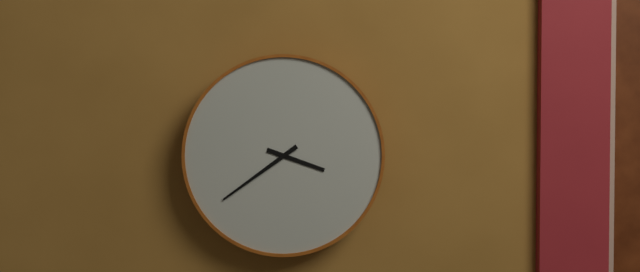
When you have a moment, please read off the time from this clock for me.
3:39
